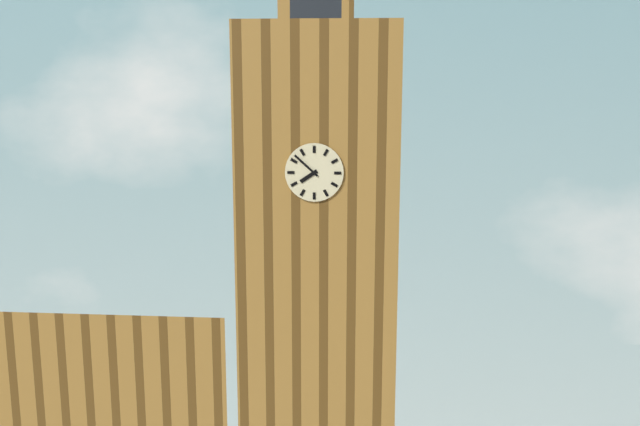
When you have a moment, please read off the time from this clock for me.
7:52
